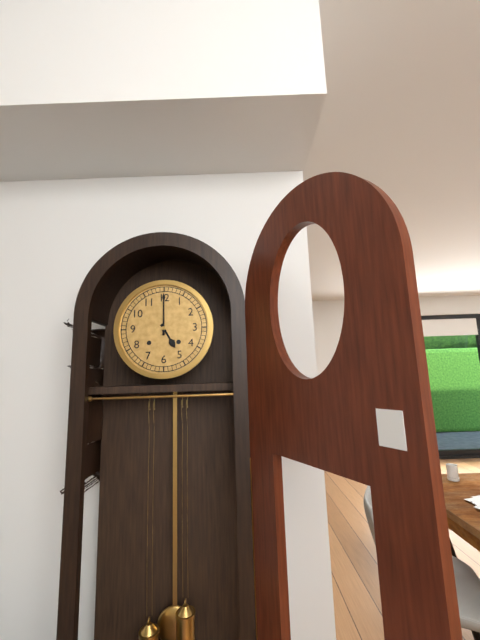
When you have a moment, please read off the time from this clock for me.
5:00
